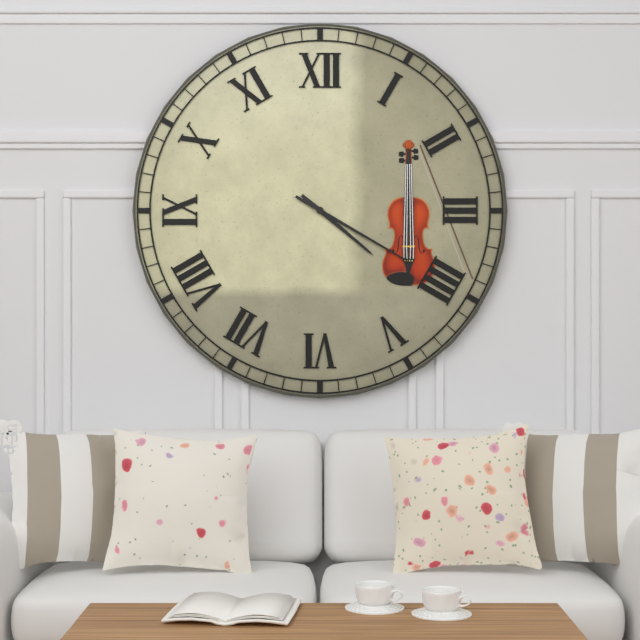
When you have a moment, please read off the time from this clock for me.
4:20
